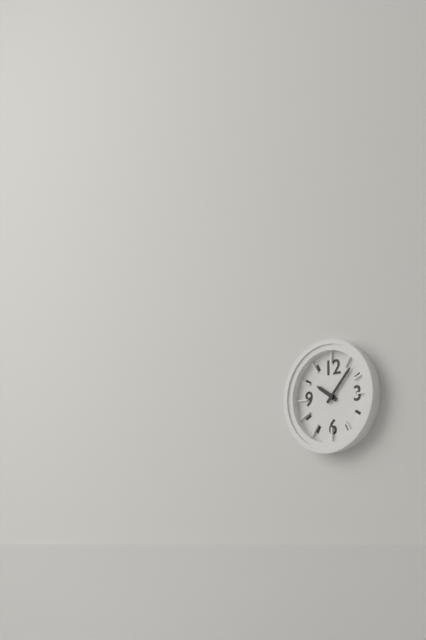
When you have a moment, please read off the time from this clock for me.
10:07
